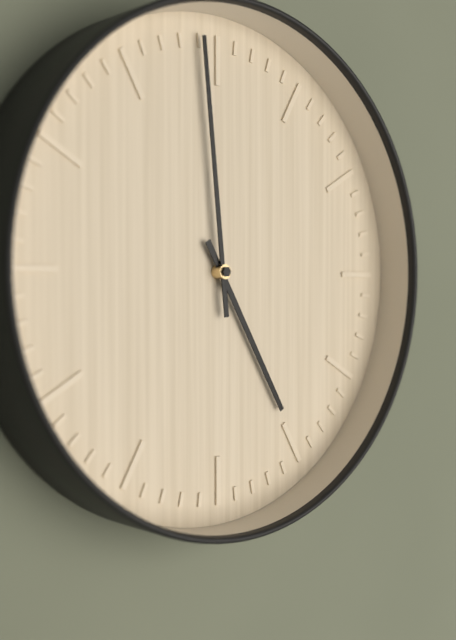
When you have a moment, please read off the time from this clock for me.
4:59
